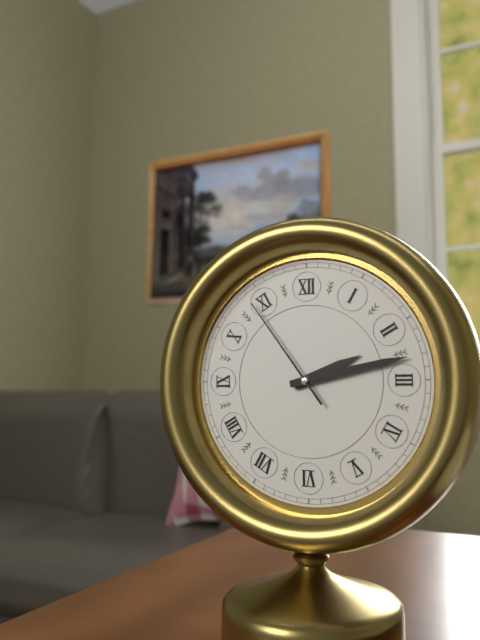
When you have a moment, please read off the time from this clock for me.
2:13:54
